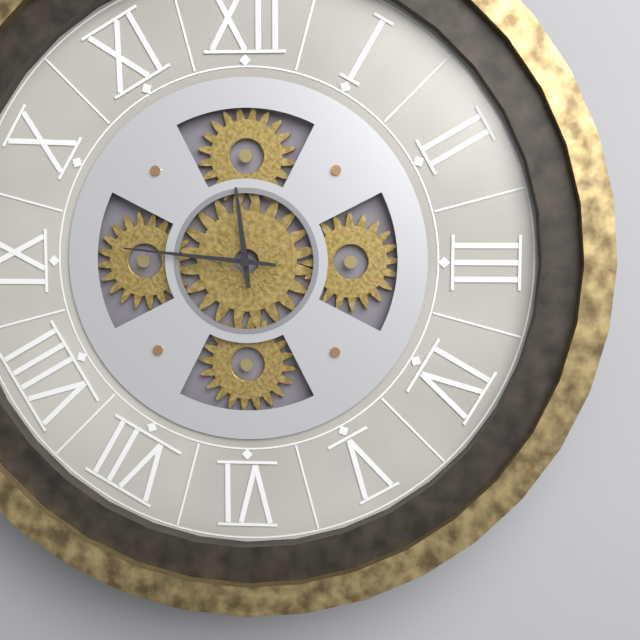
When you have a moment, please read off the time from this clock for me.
11:46
